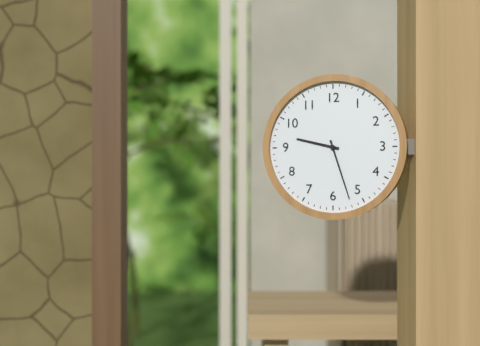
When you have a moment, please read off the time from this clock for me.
9:27
